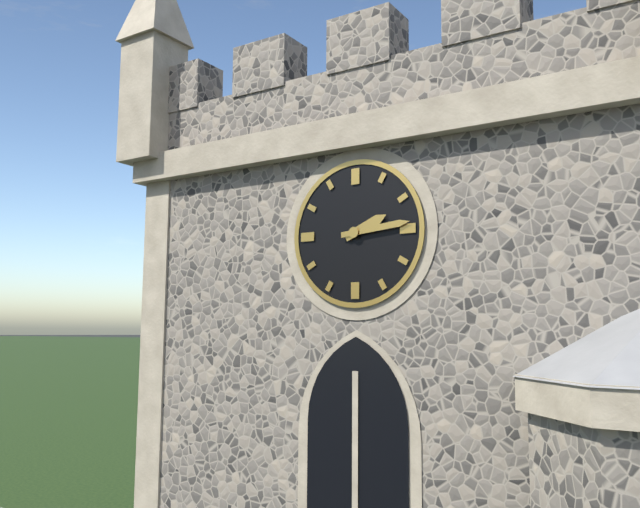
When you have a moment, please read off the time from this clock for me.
2:14
